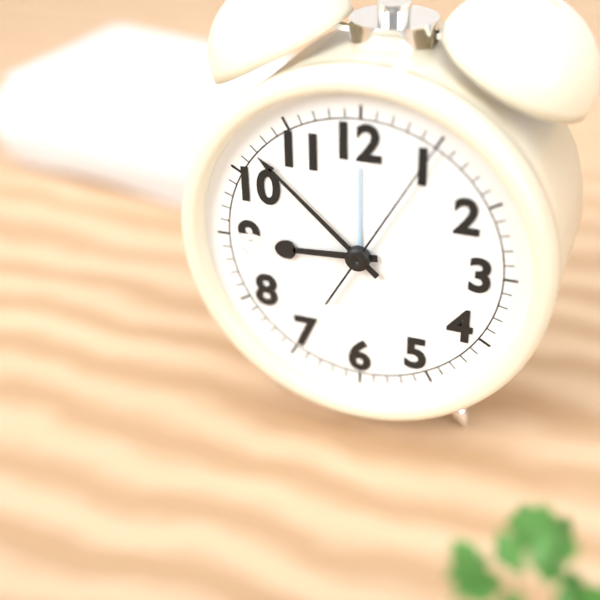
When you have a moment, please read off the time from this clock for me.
8:52:05
